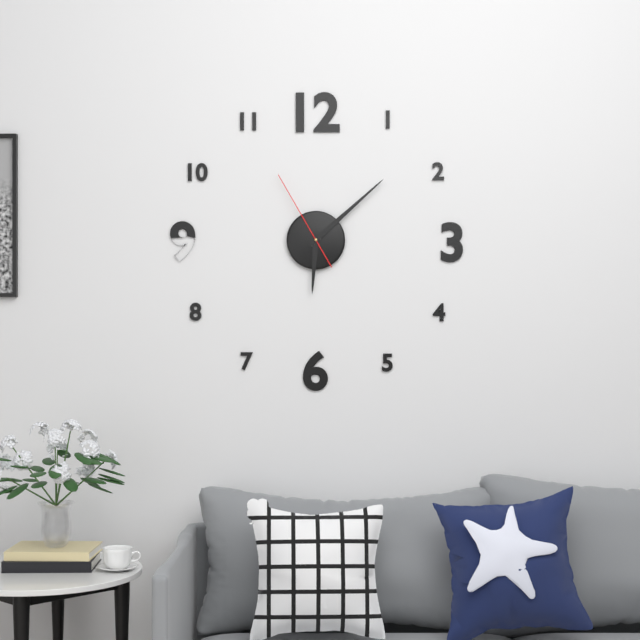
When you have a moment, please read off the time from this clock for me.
6:08:55
